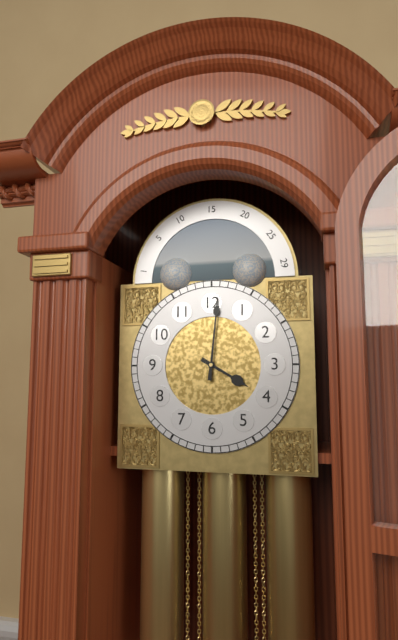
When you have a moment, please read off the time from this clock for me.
4:01
